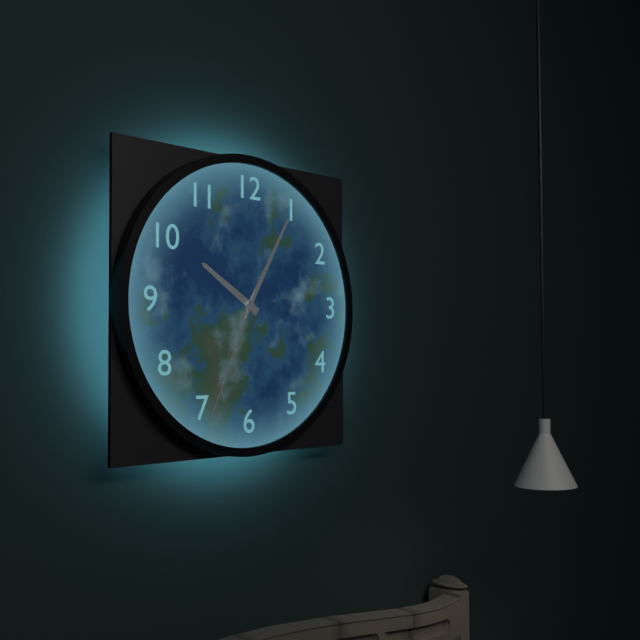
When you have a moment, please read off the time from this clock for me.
10:05:34
